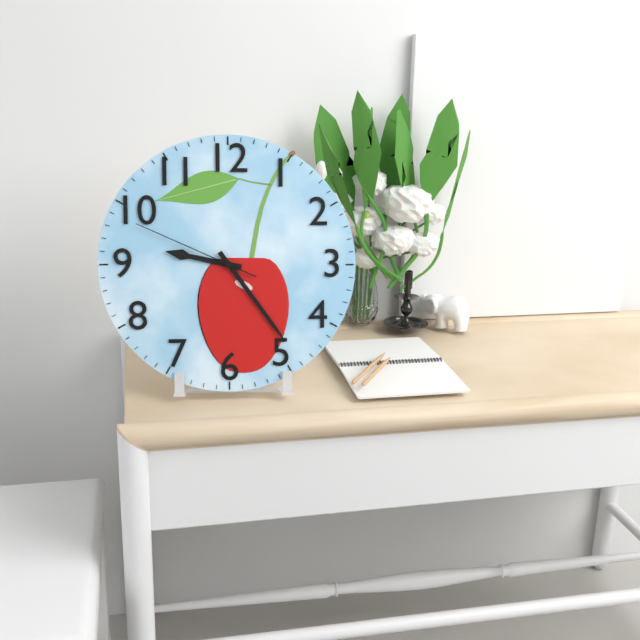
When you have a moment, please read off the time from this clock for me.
9:24:49
